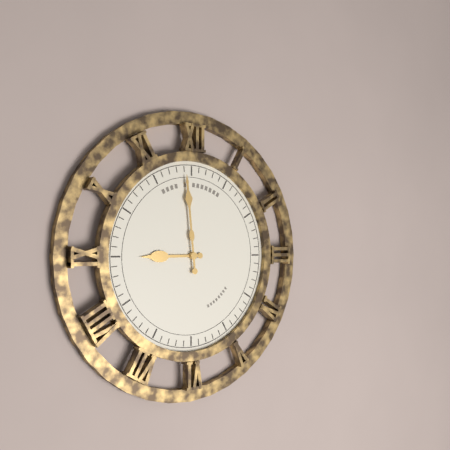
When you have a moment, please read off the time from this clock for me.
8:59
